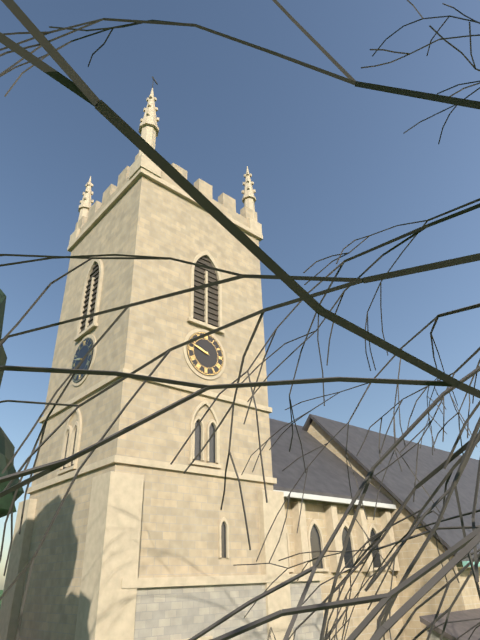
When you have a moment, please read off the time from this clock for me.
9:48
